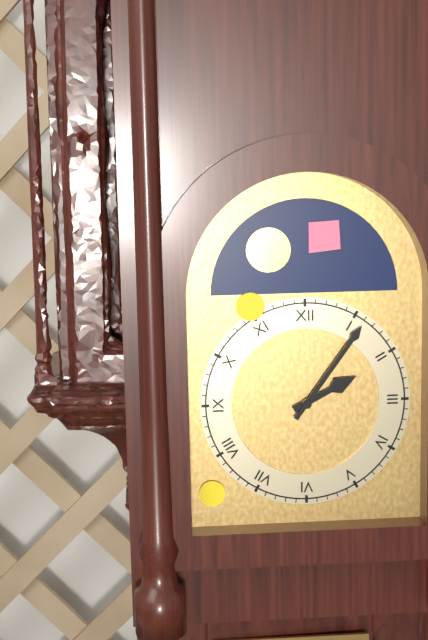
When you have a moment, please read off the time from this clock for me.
2:06
